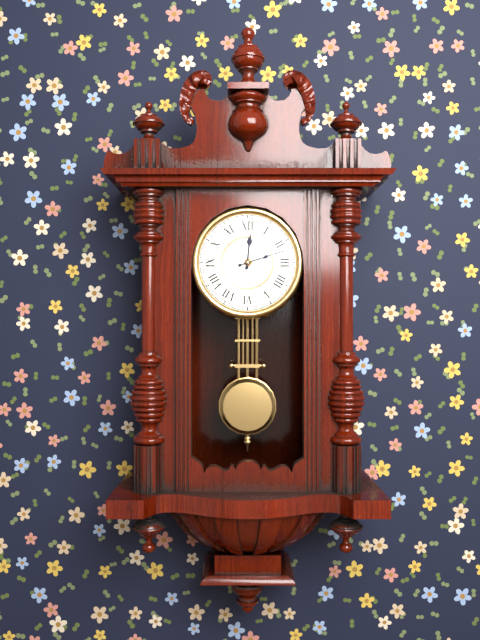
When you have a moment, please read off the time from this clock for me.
12:12
